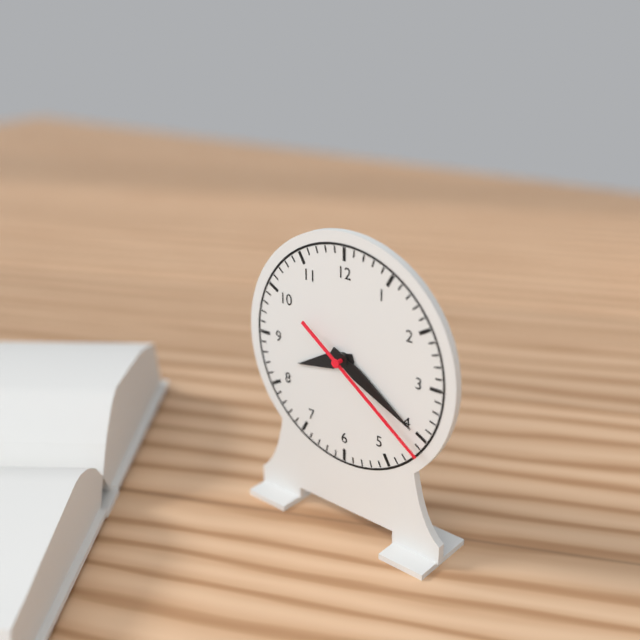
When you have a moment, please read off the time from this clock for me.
8:20:21
